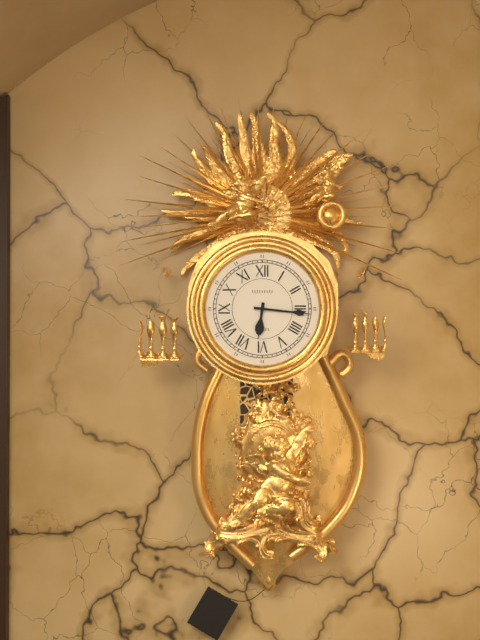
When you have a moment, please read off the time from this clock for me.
6:16
